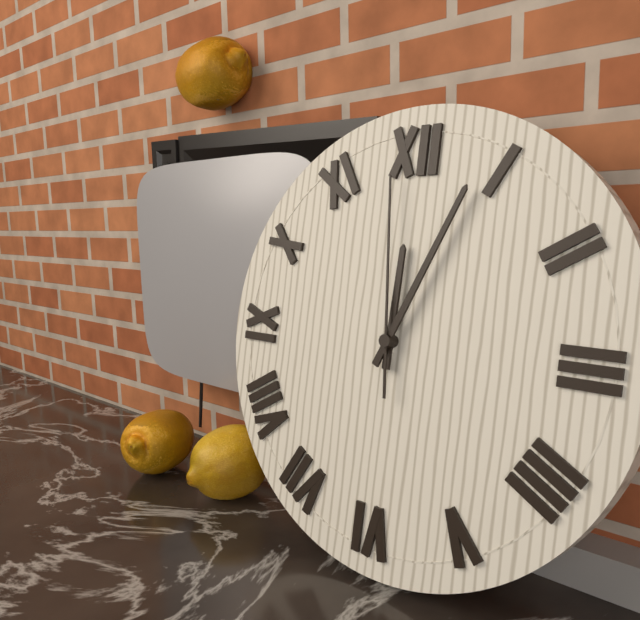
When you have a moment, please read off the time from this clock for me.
12:04:59
